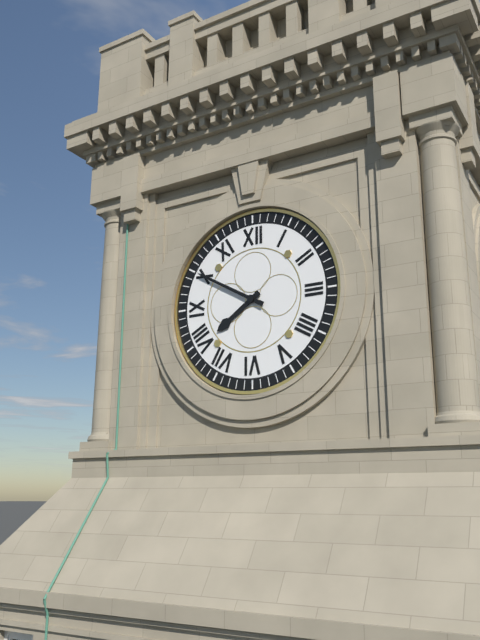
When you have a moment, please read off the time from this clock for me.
7:50
